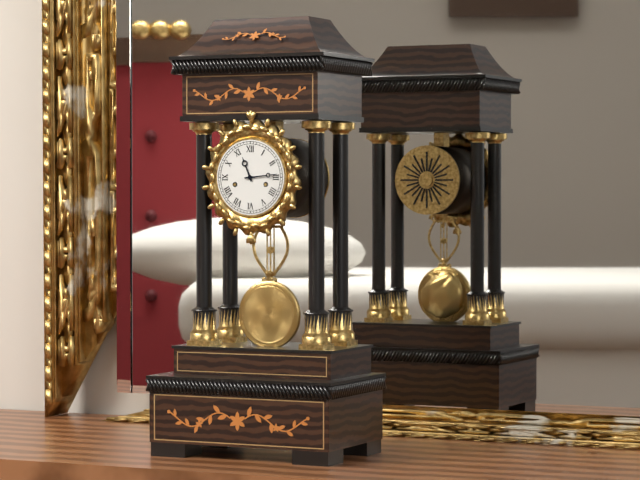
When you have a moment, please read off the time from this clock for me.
11:14
